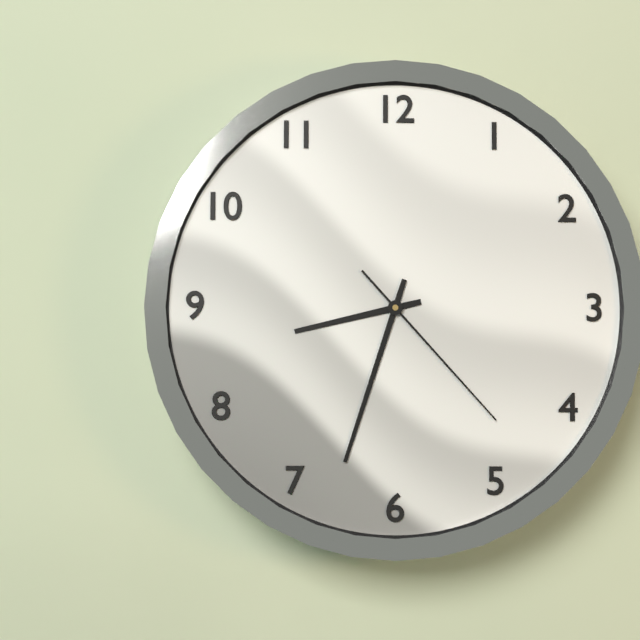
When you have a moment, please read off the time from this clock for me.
8:33:23
